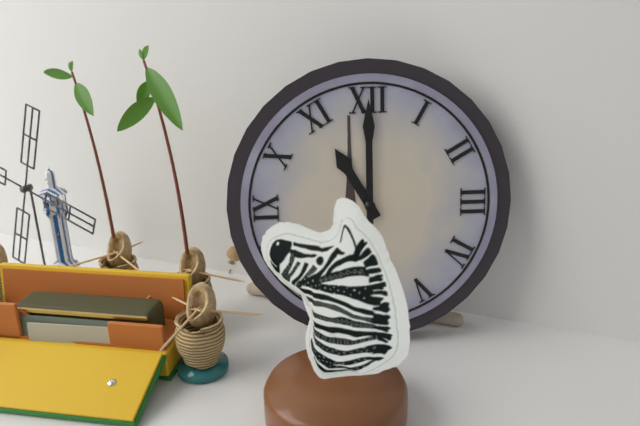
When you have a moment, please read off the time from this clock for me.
11:00
